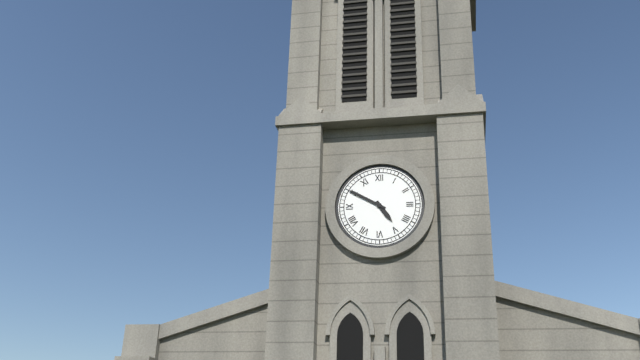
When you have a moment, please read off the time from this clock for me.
4:50
